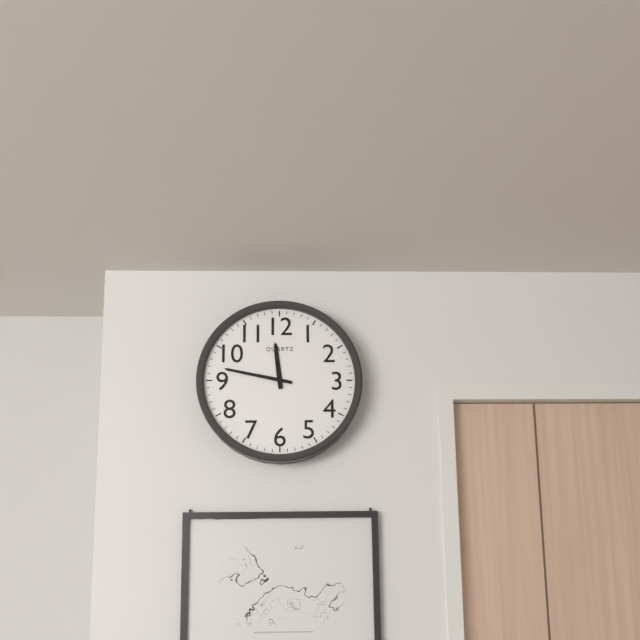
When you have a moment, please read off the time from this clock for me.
11:47
